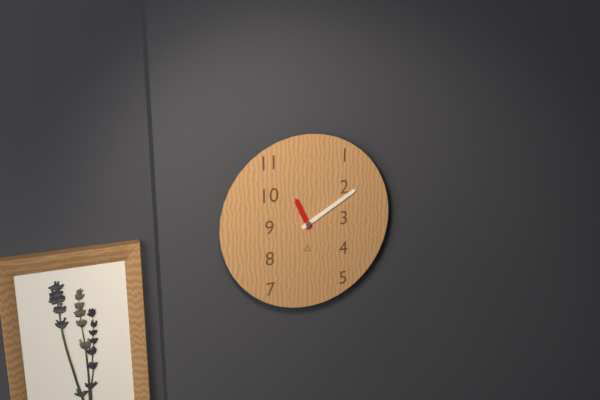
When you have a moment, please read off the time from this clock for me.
11:10
